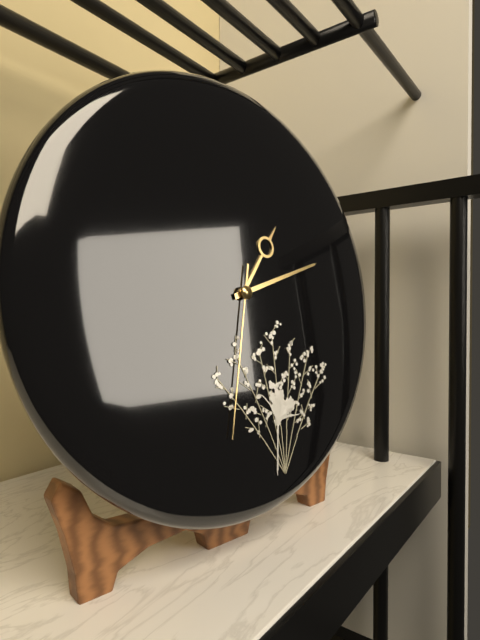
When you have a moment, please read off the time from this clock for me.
1:12:32
